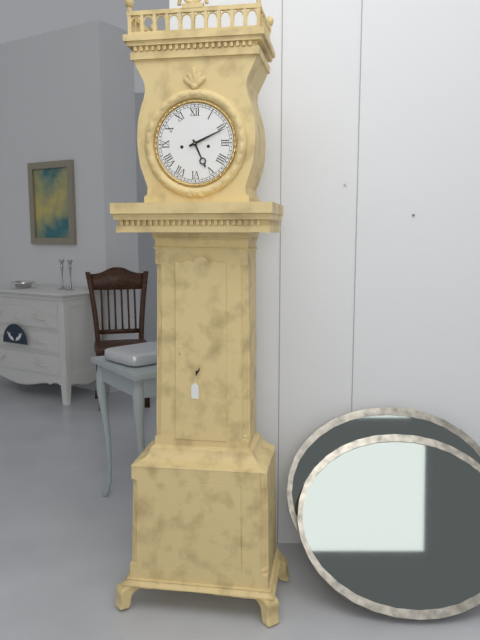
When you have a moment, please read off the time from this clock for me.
5:11
